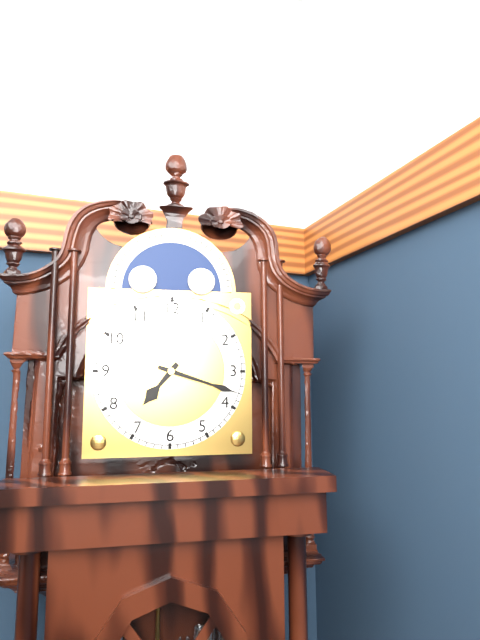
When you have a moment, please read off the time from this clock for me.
7:18
